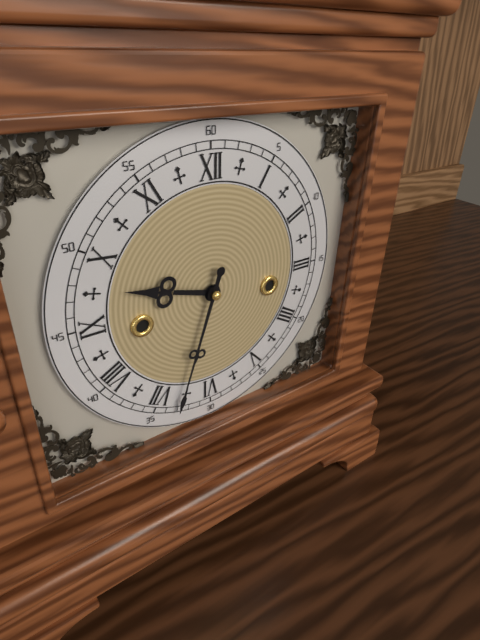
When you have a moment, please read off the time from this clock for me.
9:33
